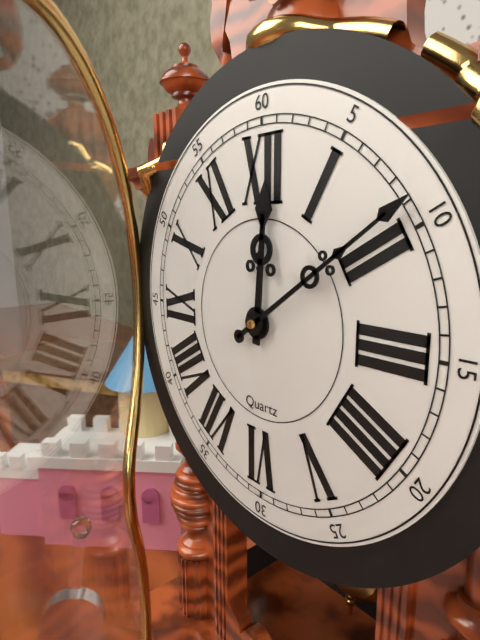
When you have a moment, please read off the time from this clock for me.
12:09
